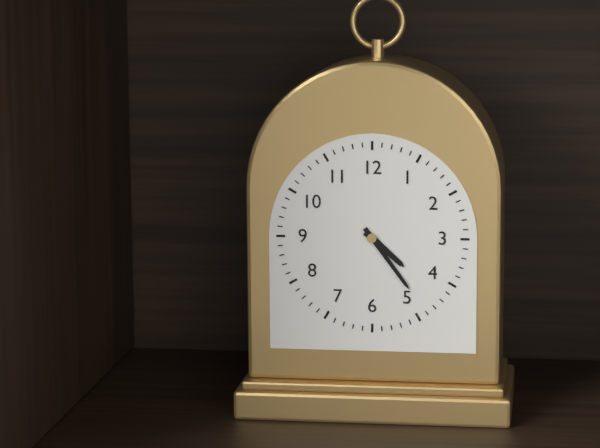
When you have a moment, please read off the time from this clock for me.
4:24
